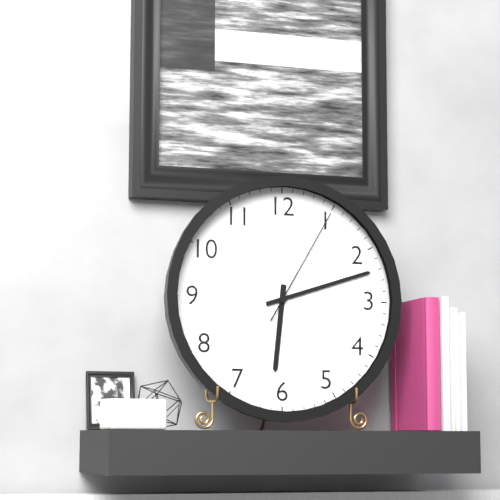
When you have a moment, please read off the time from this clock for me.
6:12:05
